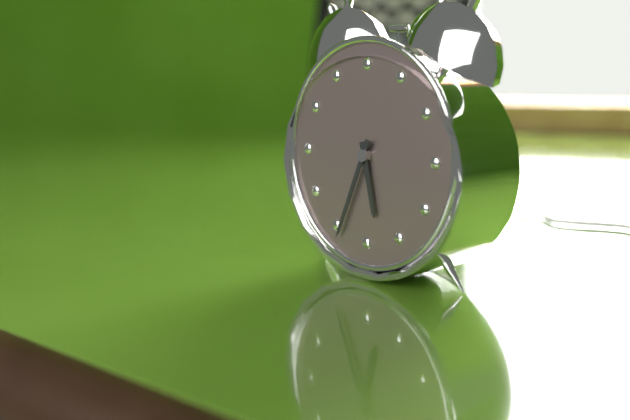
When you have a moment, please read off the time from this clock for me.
5:34
